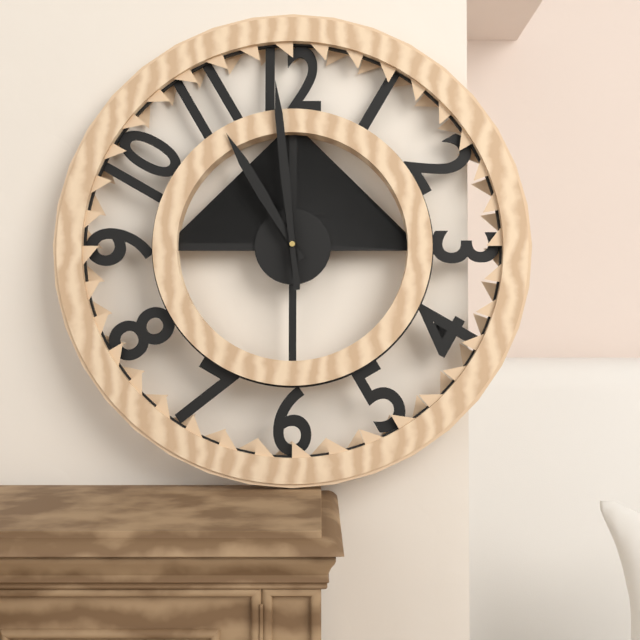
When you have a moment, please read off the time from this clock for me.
10:59
